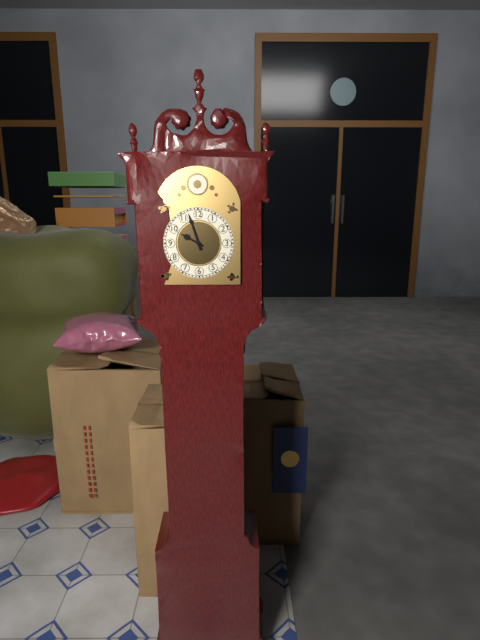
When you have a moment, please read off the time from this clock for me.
9:57
